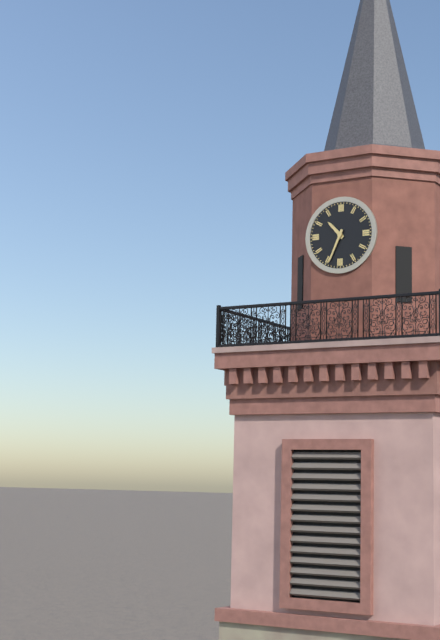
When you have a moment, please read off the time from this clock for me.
10:34
